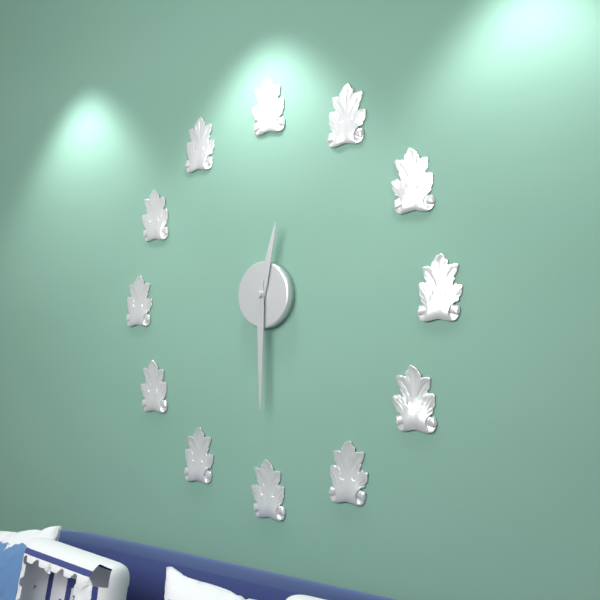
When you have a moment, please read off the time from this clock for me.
12:30
